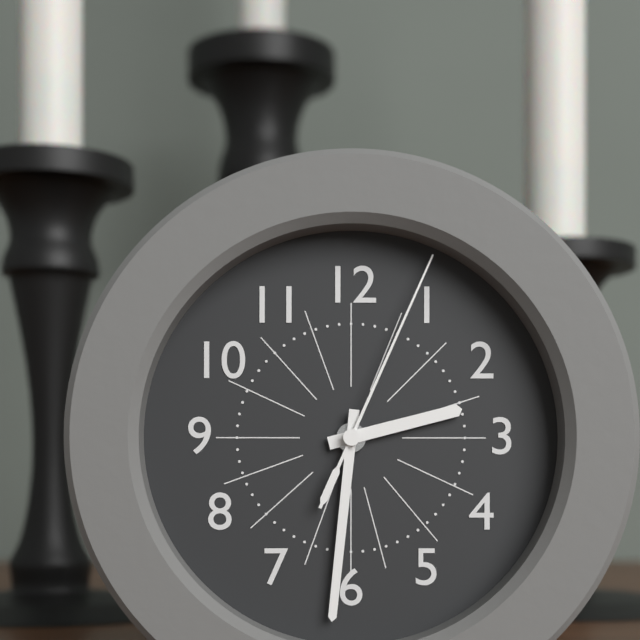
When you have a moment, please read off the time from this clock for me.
2:31:04
